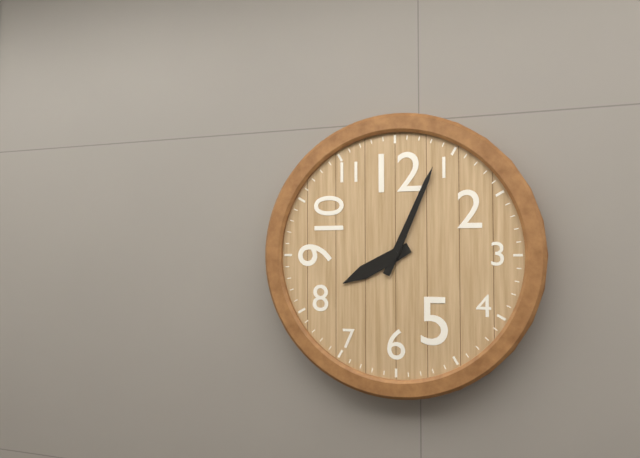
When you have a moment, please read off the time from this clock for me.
8:04
